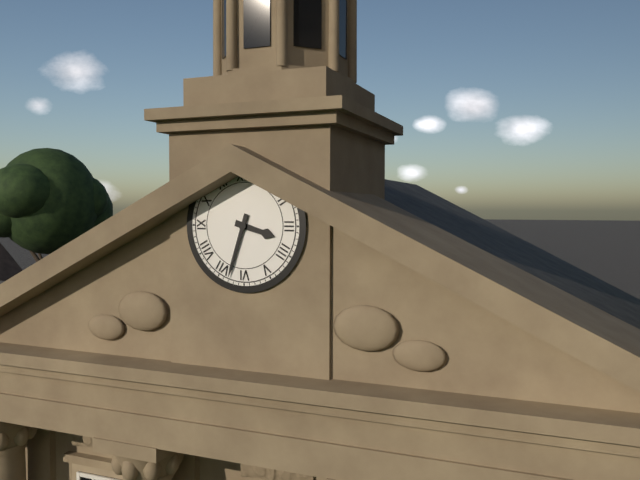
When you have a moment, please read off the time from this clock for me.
3:33
